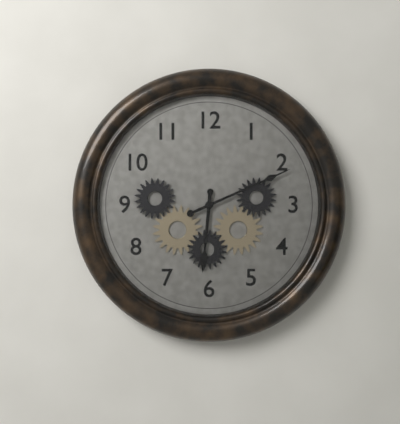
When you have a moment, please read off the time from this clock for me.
6:11
